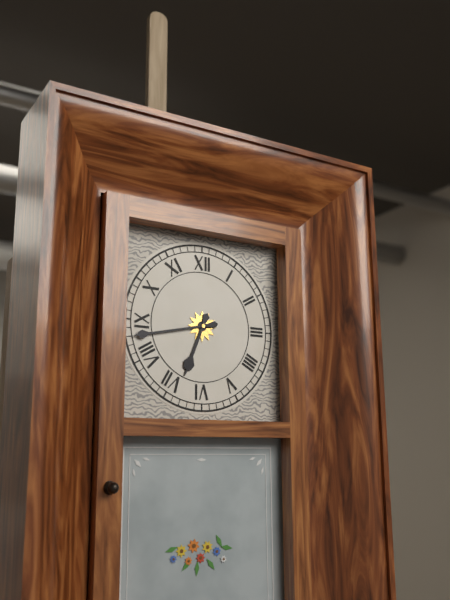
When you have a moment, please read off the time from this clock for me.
6:43
